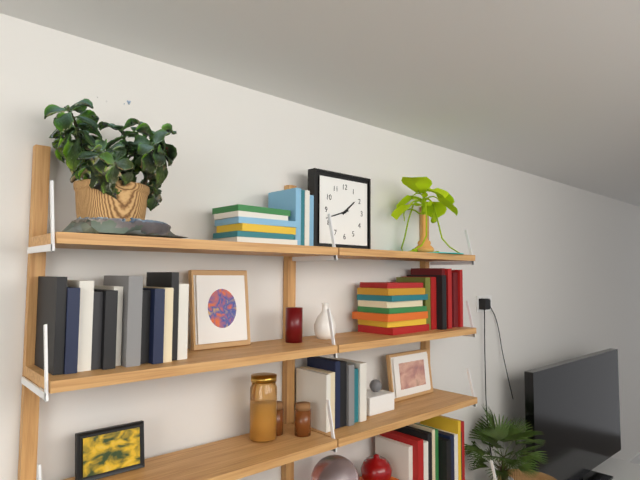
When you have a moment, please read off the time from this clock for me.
1:42
